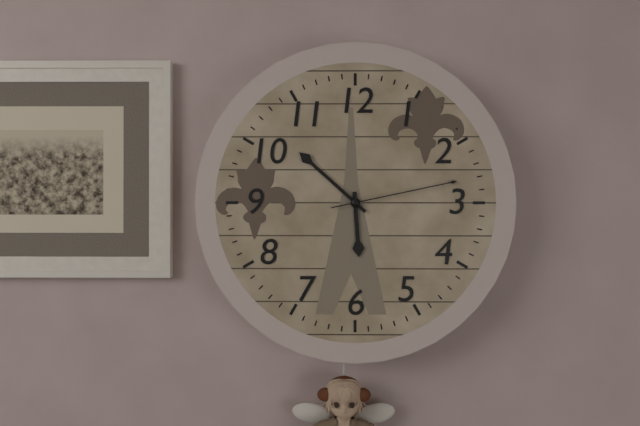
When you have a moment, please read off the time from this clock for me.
5:52:13
